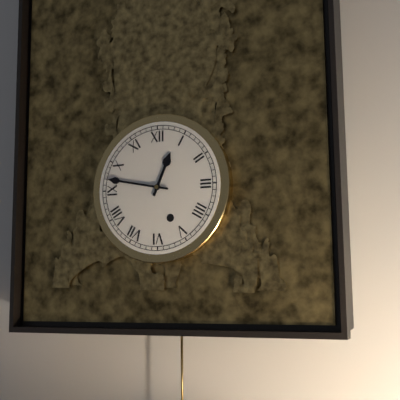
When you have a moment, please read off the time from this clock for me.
12:47
